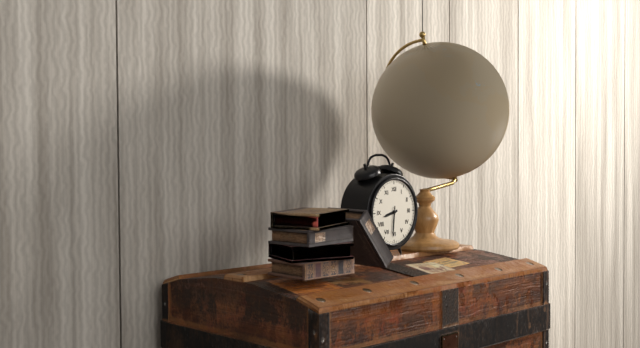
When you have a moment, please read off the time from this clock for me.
8:31
